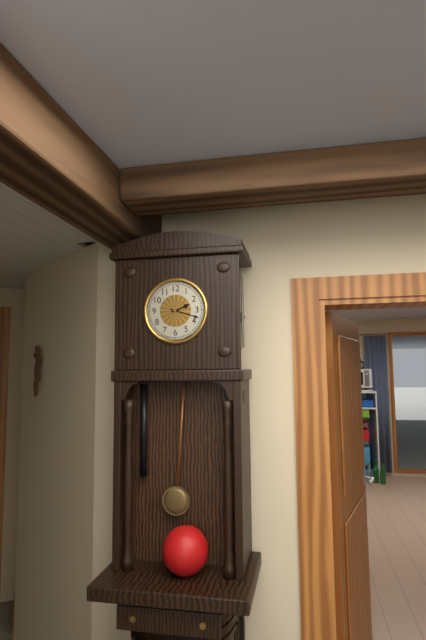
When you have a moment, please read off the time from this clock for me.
2:18
